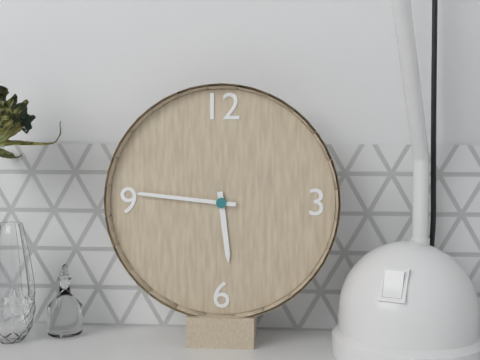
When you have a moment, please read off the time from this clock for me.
5:46
